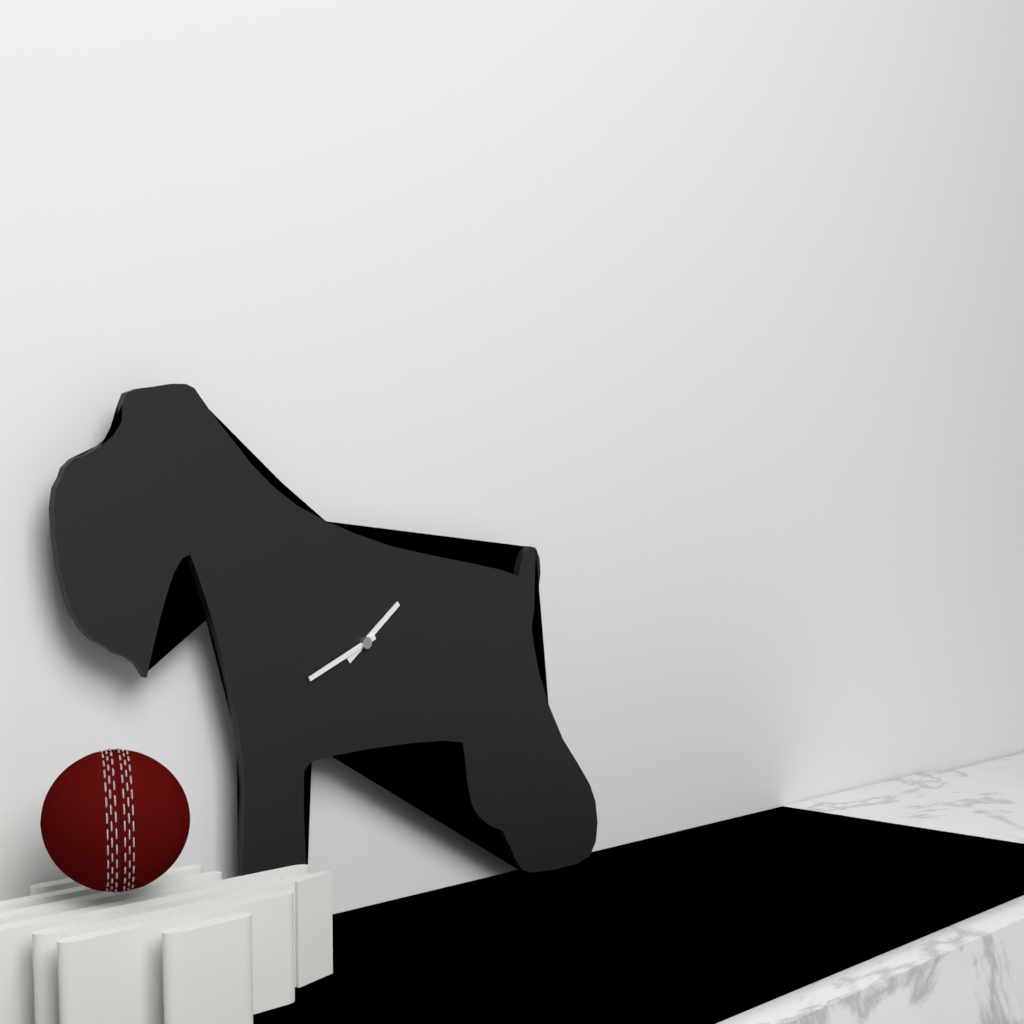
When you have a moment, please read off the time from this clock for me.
1:41
